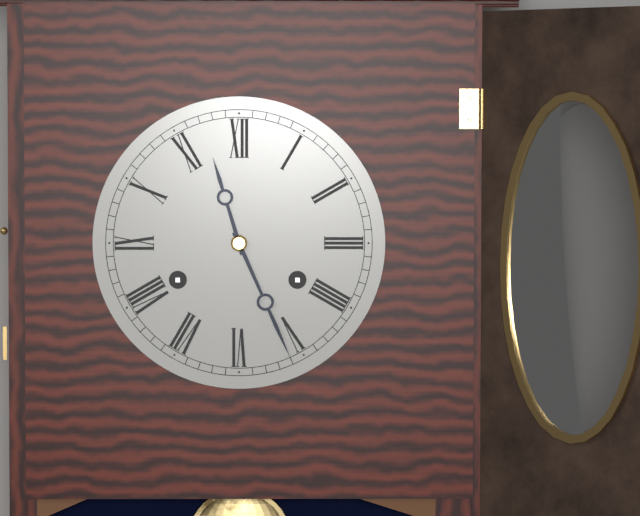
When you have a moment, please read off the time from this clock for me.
11:26
